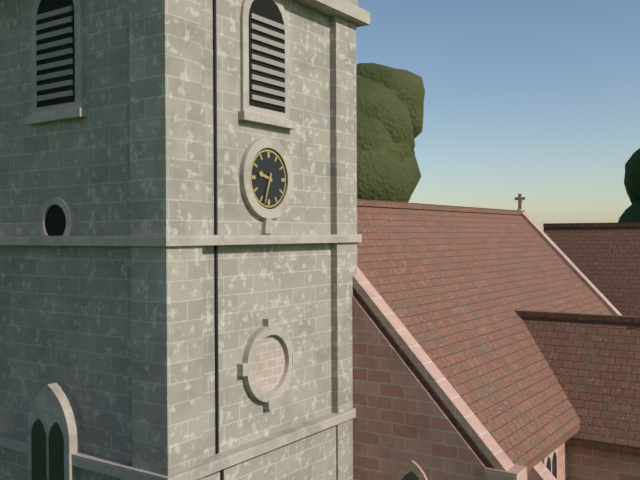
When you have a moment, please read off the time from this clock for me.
9:33
